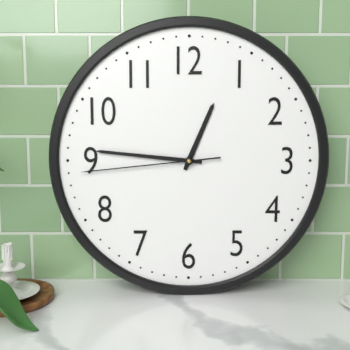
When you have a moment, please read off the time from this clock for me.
12:46:44
